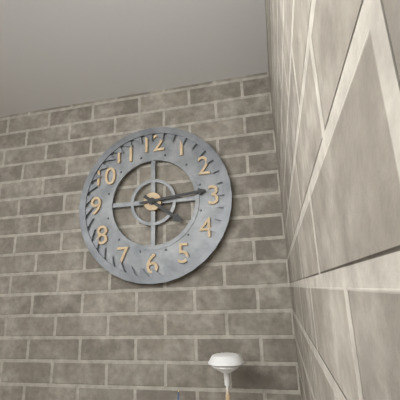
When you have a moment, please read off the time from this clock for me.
4:14
